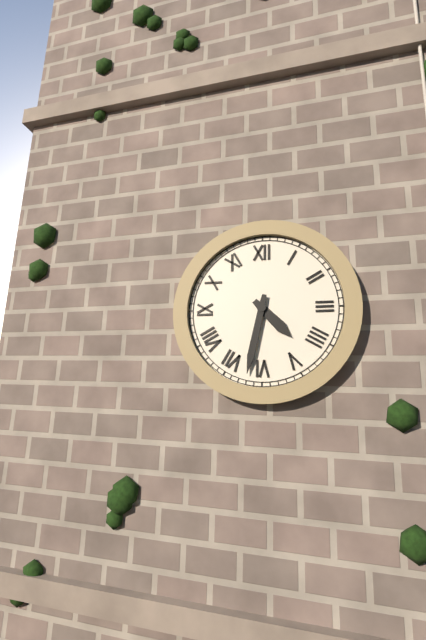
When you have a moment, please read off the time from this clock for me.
4:32
